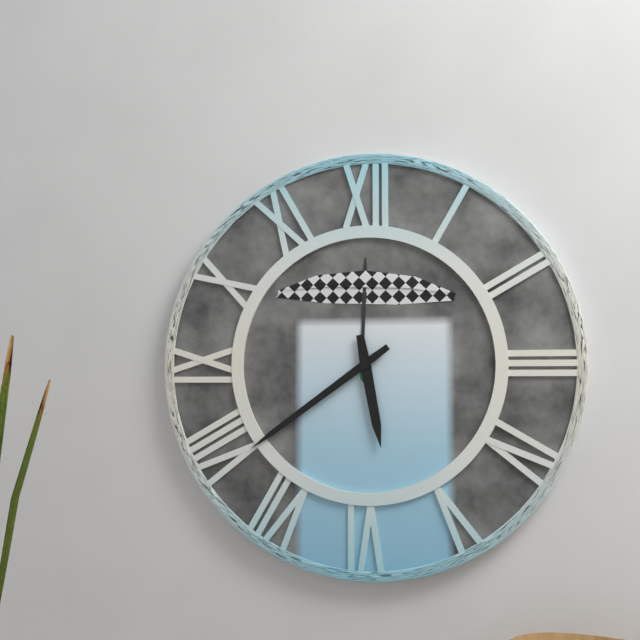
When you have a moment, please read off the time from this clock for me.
5:39
